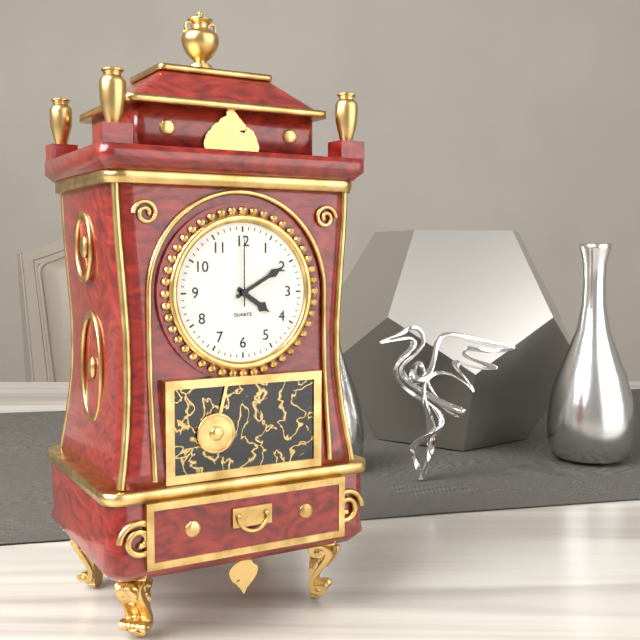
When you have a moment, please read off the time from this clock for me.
4:10:00
